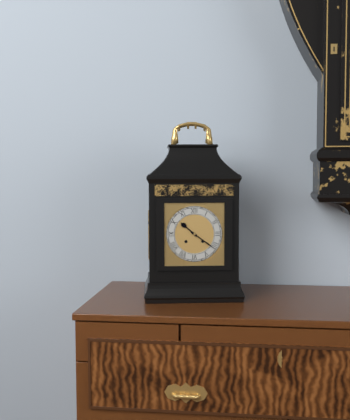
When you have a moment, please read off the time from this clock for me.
10:21
